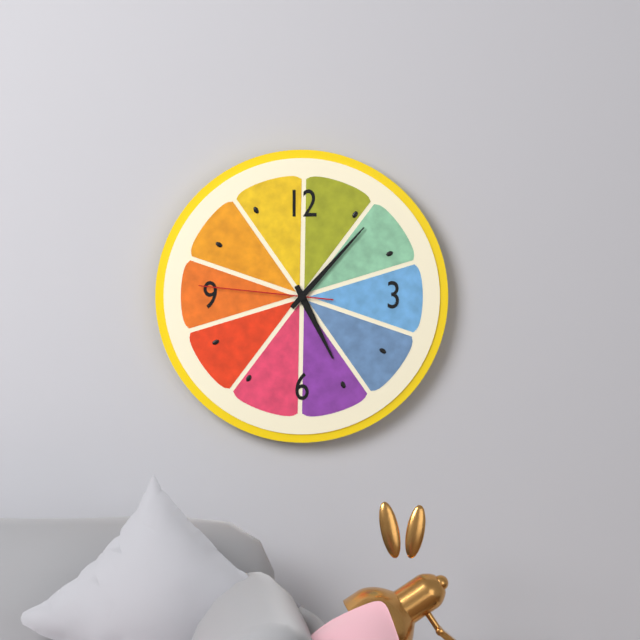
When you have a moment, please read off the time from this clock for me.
5:07:46
